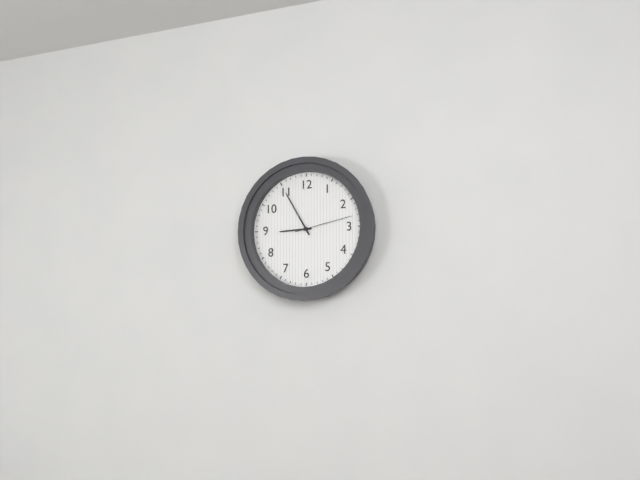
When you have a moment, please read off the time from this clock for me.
8:55:13
